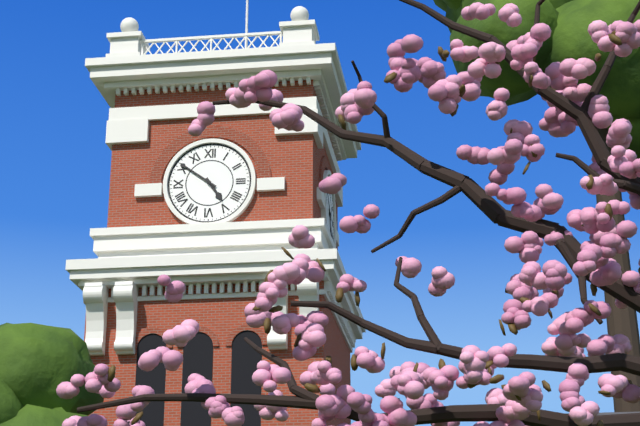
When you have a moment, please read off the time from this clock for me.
4:51
